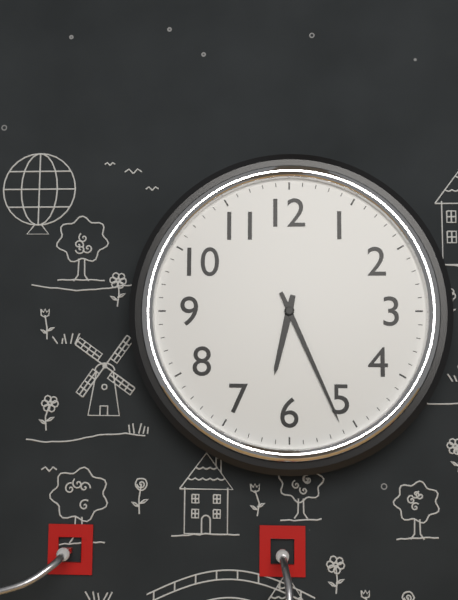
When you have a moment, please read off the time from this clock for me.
6:26
